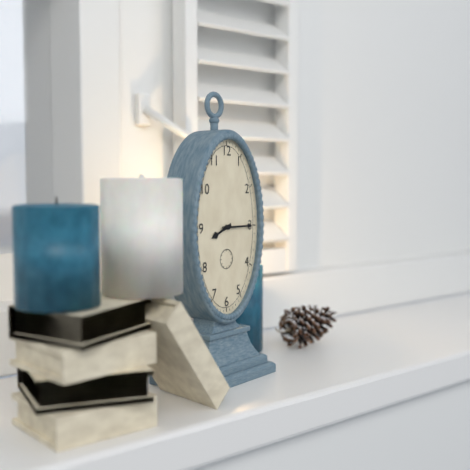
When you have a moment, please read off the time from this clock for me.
8:15
